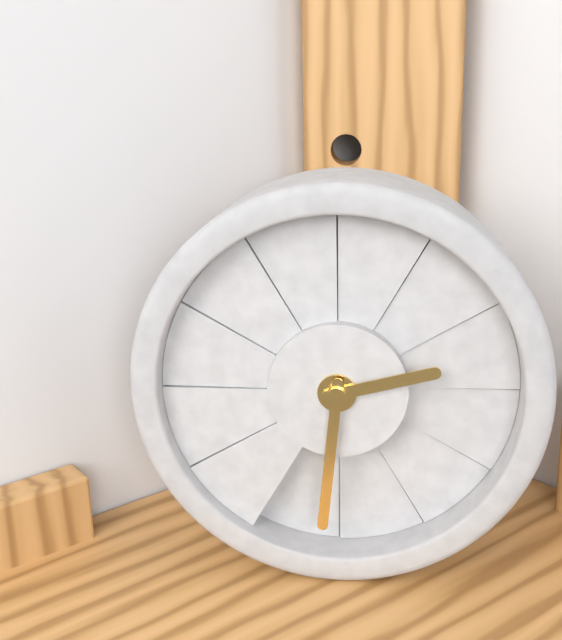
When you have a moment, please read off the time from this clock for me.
2:31
